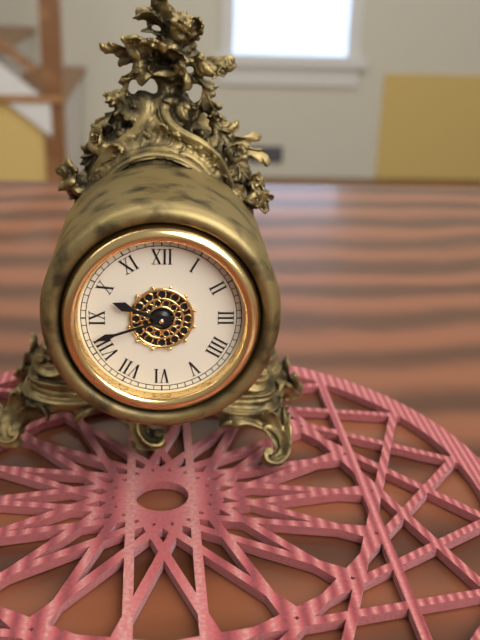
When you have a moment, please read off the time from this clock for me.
9:42
